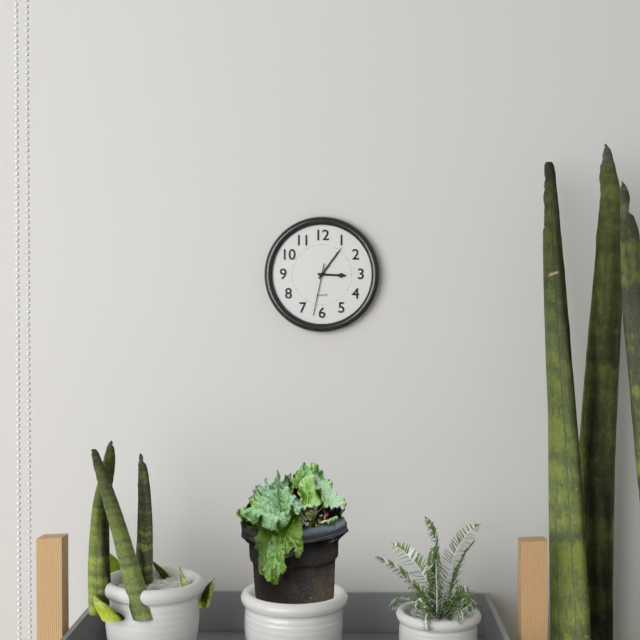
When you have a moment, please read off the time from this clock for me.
3:06:32
